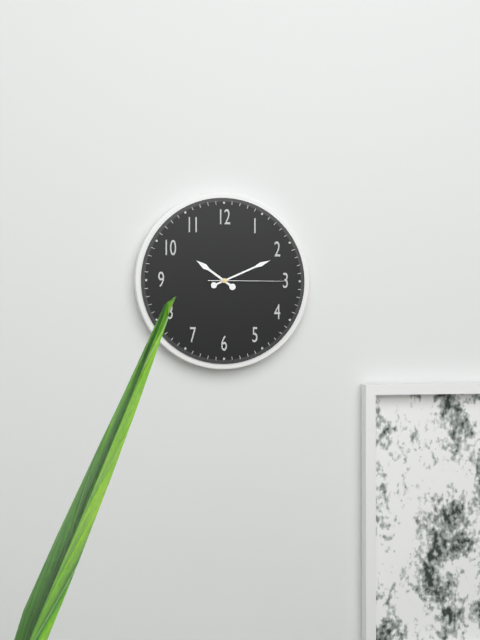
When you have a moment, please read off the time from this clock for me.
10:11:15
